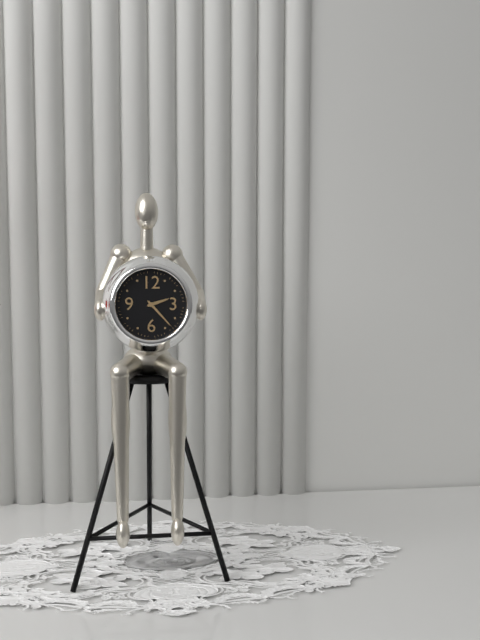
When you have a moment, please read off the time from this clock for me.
2:23
